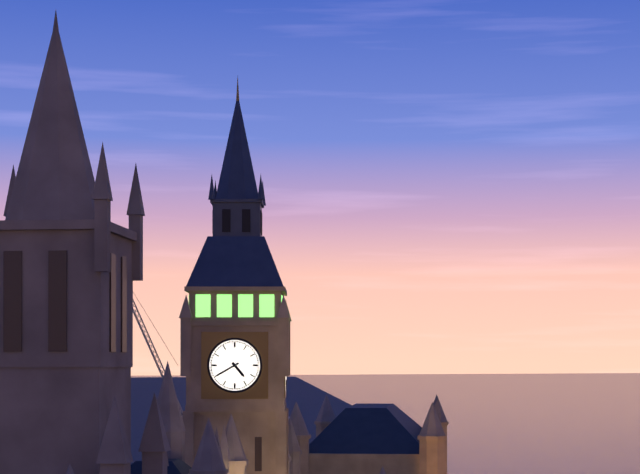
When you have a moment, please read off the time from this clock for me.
4:40
